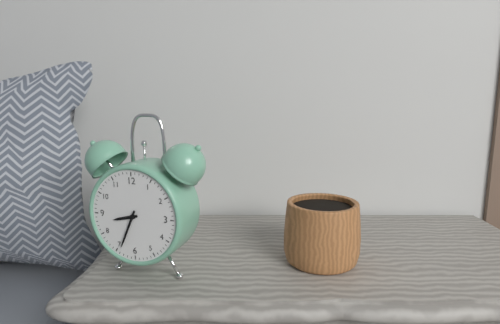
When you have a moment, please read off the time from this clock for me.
8:34
